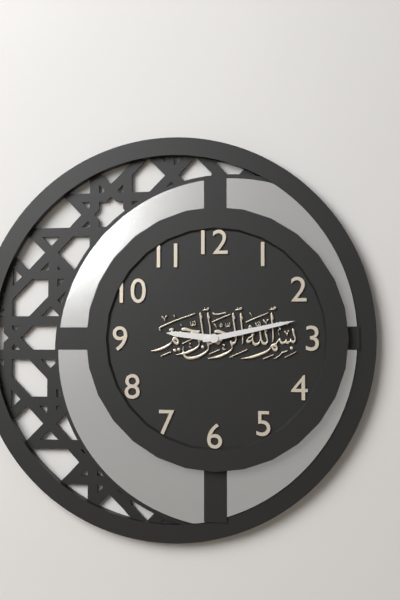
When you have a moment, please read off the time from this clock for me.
9:13
